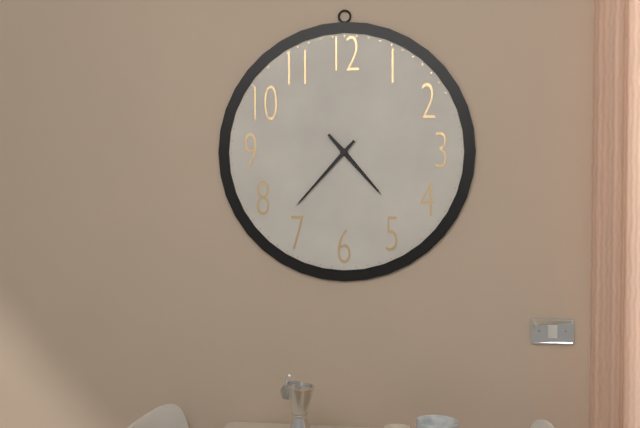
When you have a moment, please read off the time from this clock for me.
4:37
